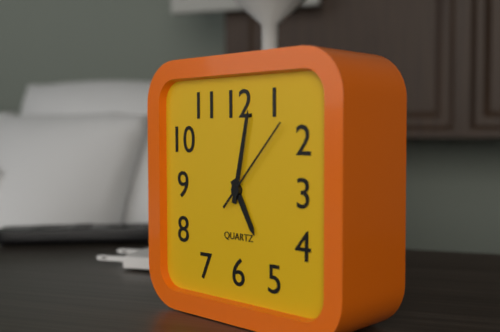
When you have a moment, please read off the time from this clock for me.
5:02:07
